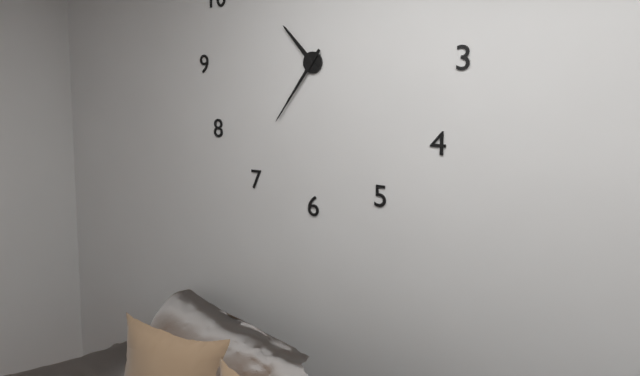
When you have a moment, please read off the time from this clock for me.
10:36
